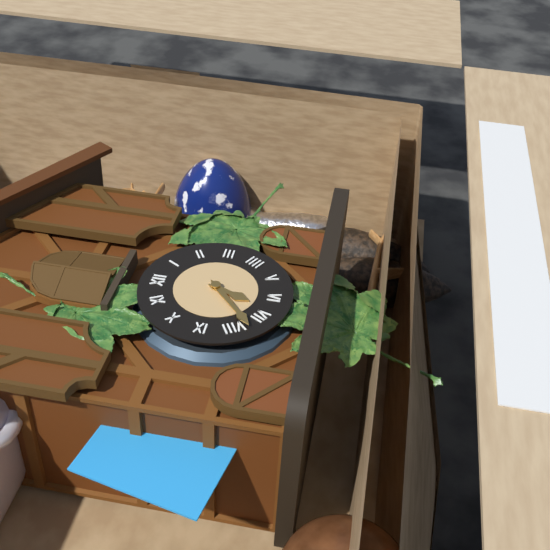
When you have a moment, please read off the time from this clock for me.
6:38
